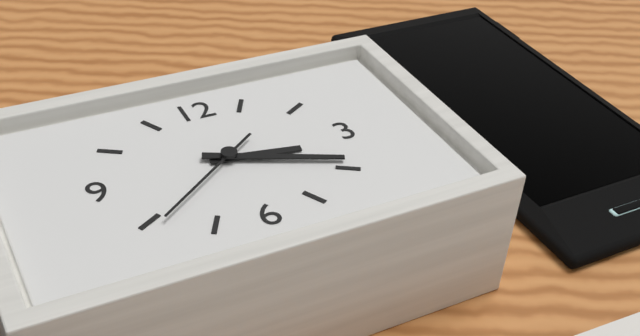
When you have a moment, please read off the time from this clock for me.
3:19:39
